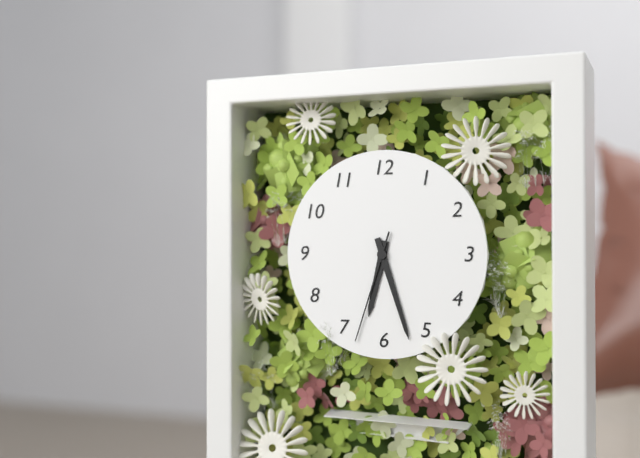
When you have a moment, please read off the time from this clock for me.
6:27:33
